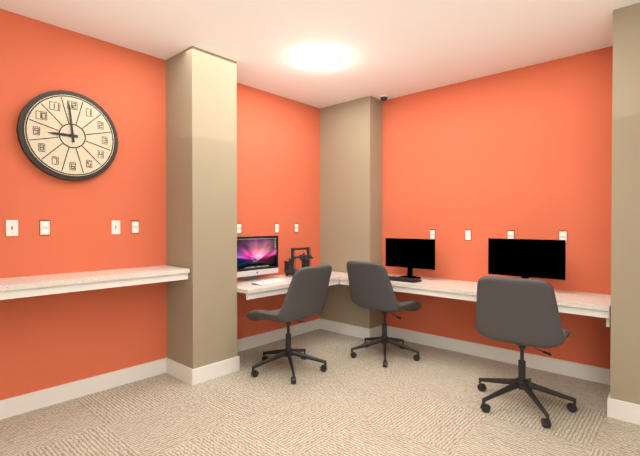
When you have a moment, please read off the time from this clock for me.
8:59
